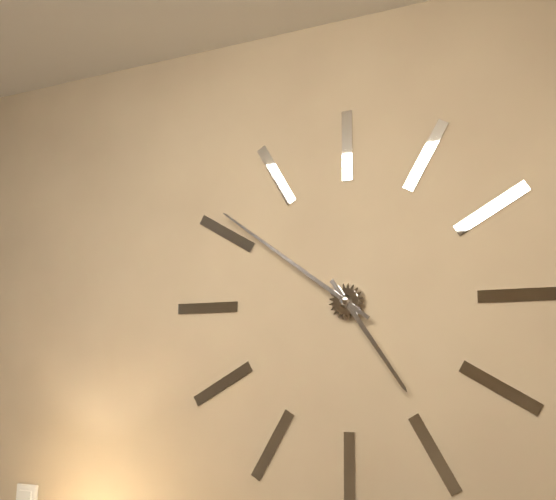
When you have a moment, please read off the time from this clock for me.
4:51
